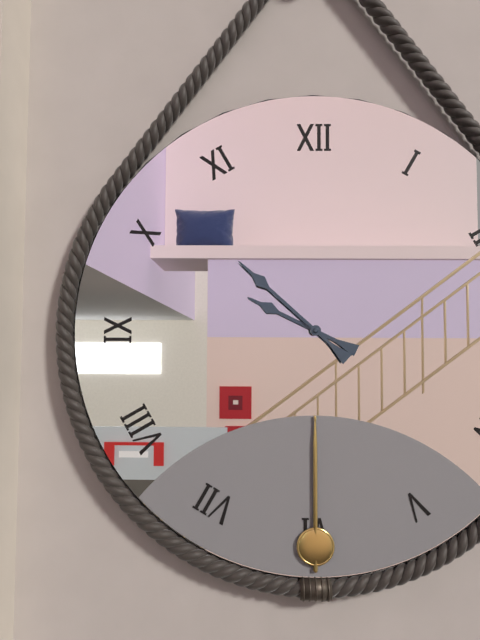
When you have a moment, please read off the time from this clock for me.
9:52
